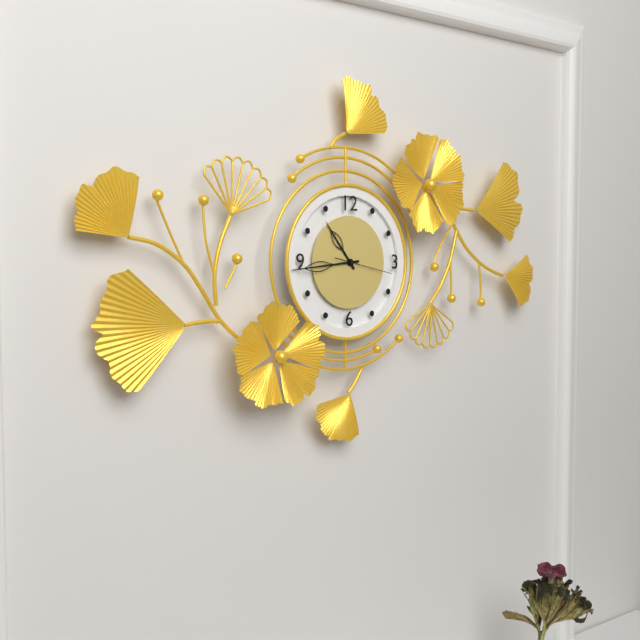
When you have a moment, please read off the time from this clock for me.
10:44:17
